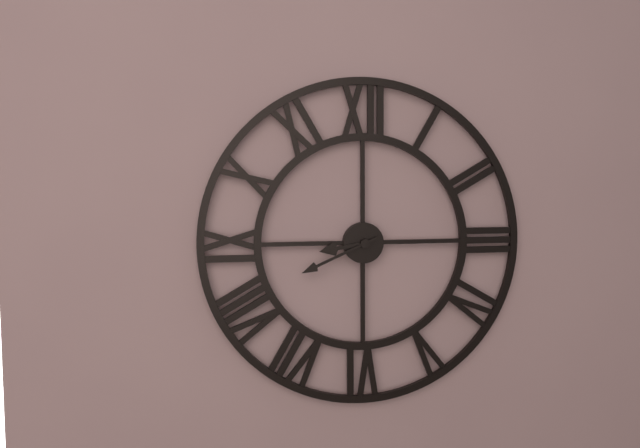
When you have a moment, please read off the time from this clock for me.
8:41
